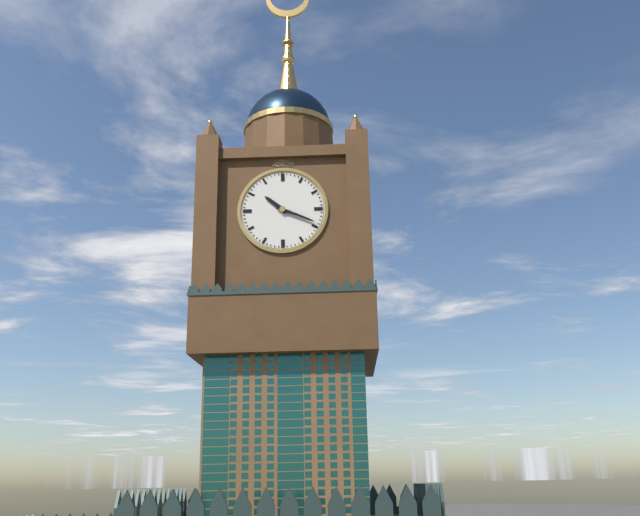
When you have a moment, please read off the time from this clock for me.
10:19
